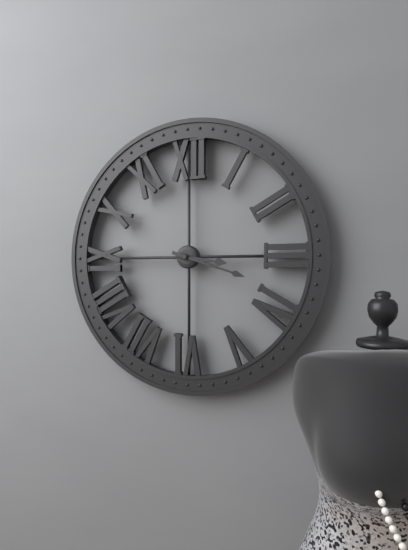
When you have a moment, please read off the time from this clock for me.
3:18
